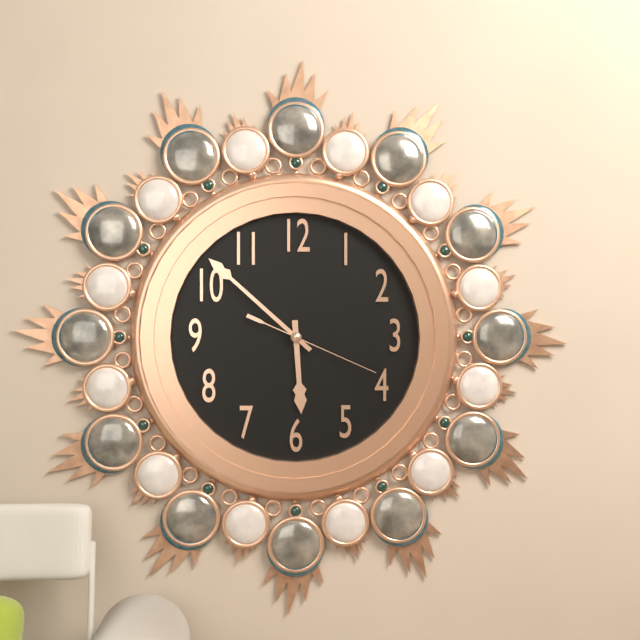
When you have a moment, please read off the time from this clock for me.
5:52:19
